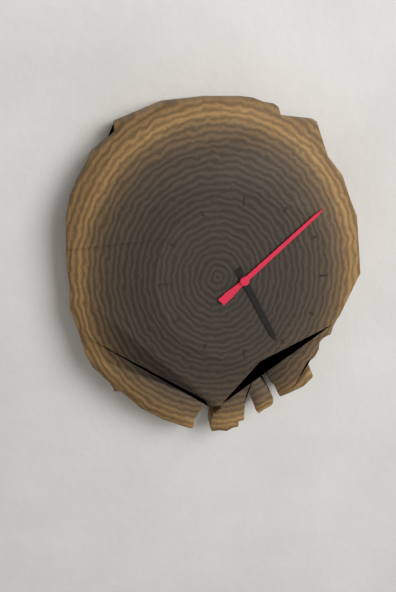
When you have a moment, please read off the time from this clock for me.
5:08
